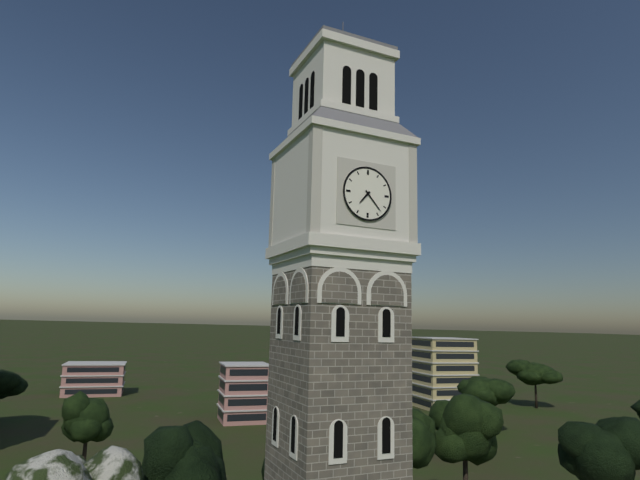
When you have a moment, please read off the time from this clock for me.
7:23
